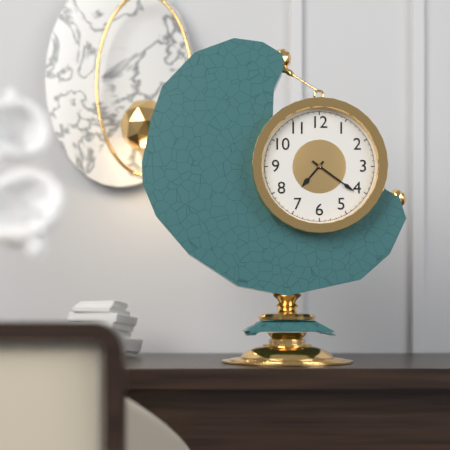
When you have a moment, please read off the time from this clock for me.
7:21
